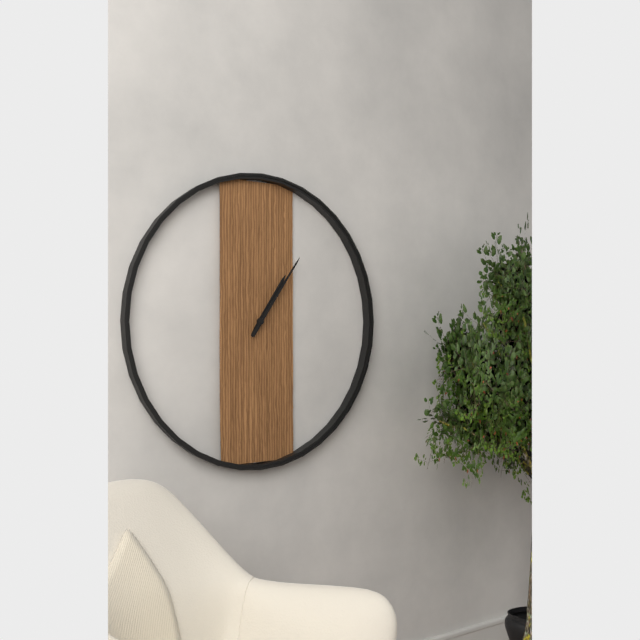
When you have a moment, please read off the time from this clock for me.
1:06
